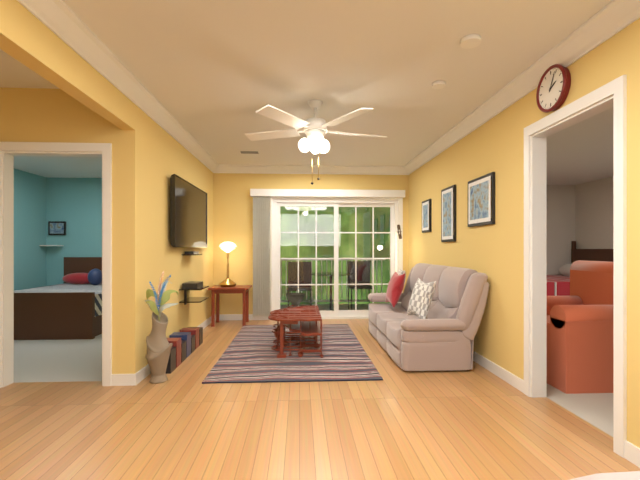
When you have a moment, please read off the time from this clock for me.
2:04
